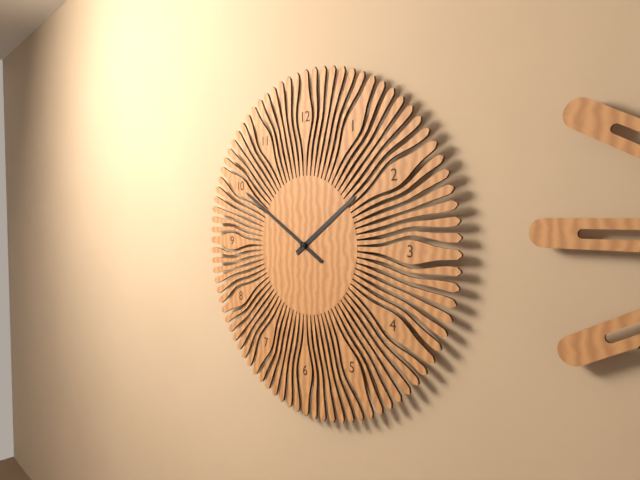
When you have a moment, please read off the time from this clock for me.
1:50
